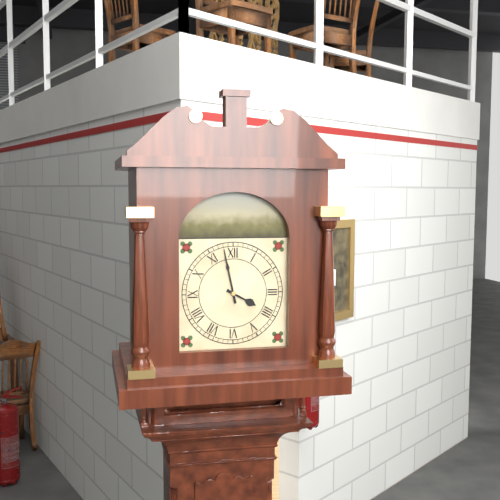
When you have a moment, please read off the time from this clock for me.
3:58
